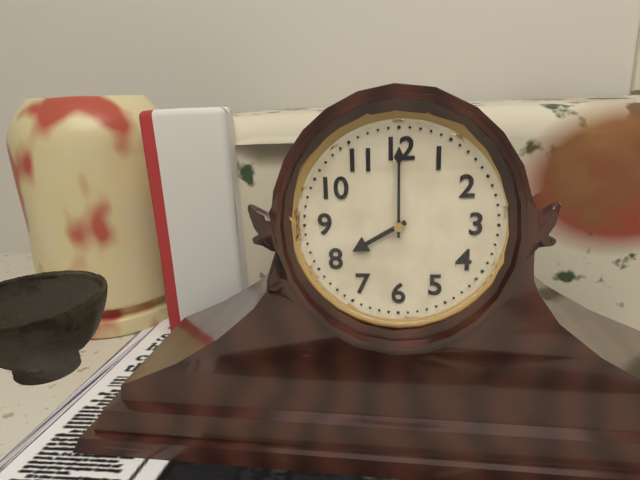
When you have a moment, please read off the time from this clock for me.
8:00
